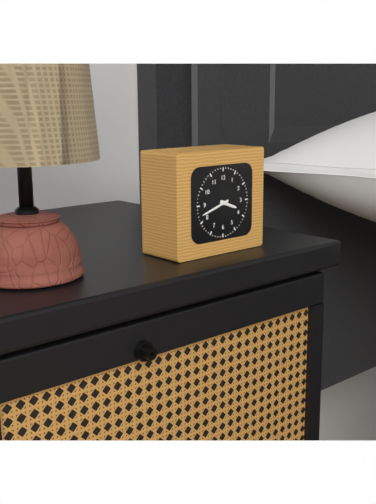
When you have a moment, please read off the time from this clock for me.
3:42
